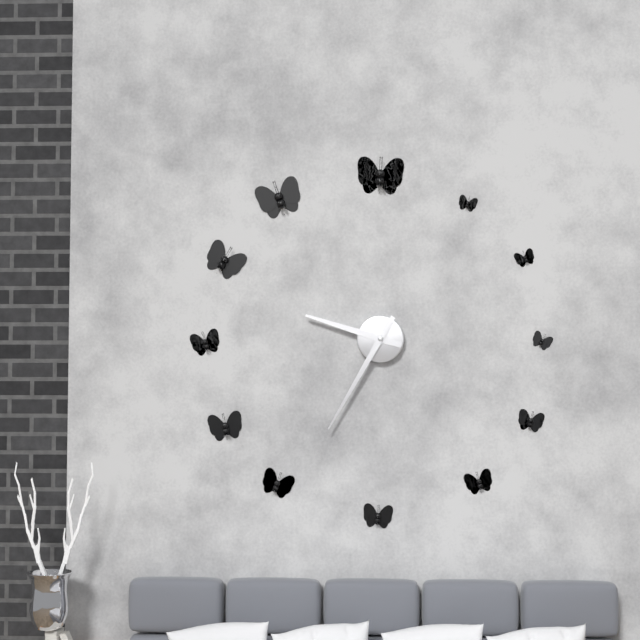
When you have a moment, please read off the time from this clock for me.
9:35
